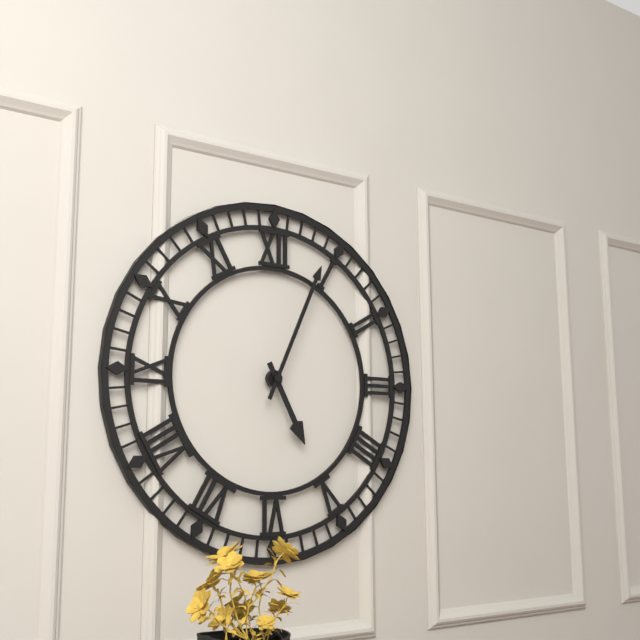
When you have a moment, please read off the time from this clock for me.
5:04
